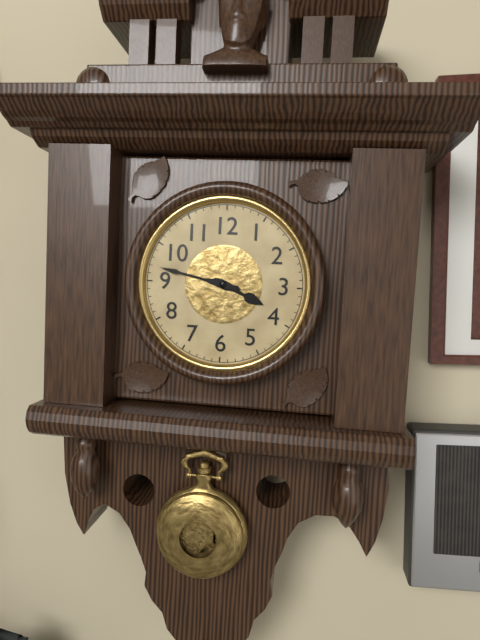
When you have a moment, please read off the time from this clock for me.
3:47
